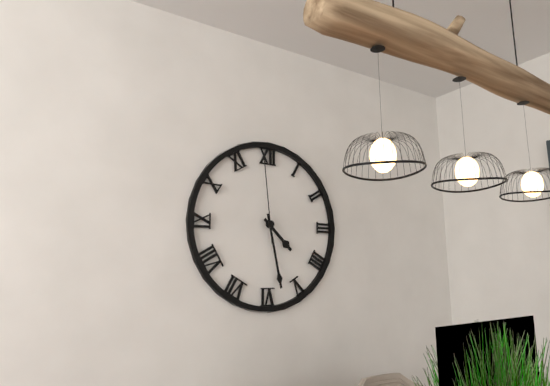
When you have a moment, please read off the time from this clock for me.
4:28:59
